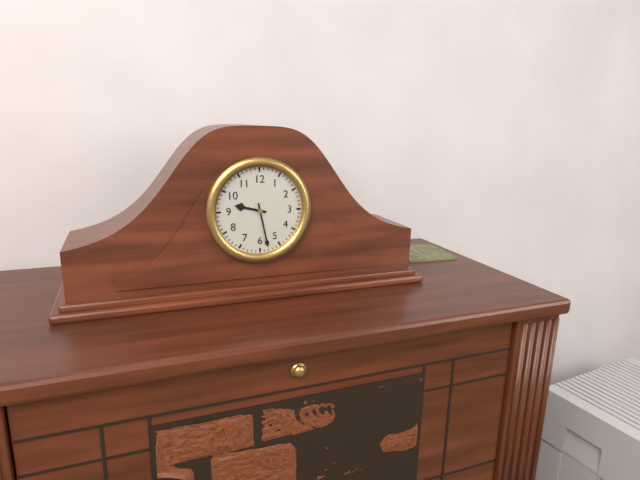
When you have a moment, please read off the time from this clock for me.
9:28
